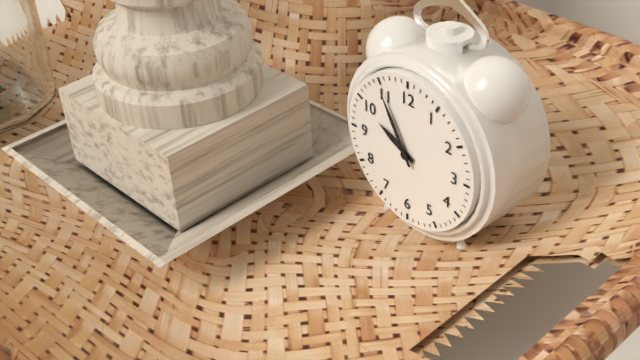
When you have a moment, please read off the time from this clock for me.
9:55
